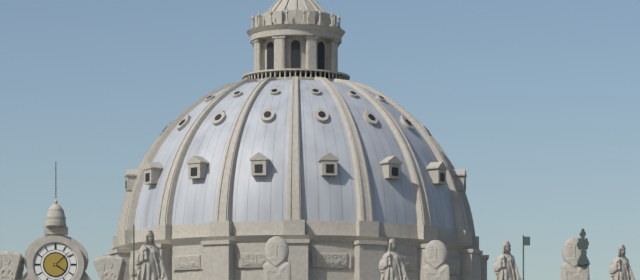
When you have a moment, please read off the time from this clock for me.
4:08
